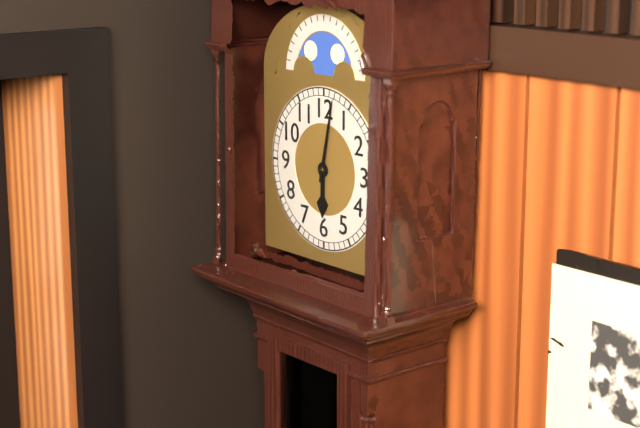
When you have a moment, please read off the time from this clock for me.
6:02
